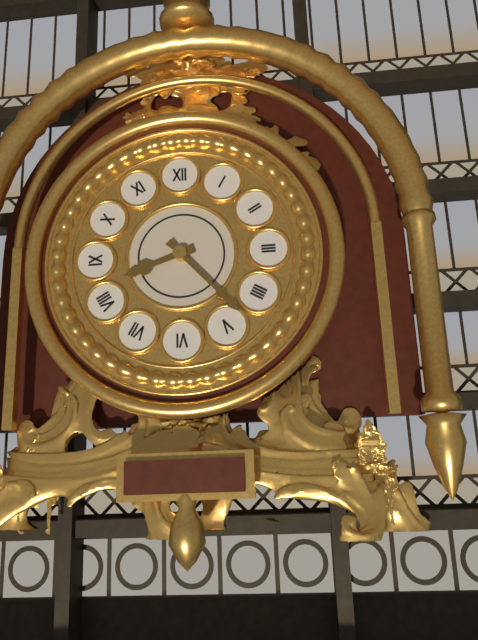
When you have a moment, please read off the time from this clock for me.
8:23
